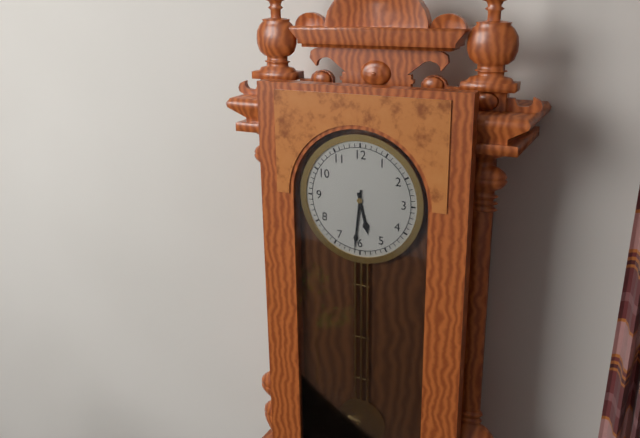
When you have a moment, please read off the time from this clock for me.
5:31
